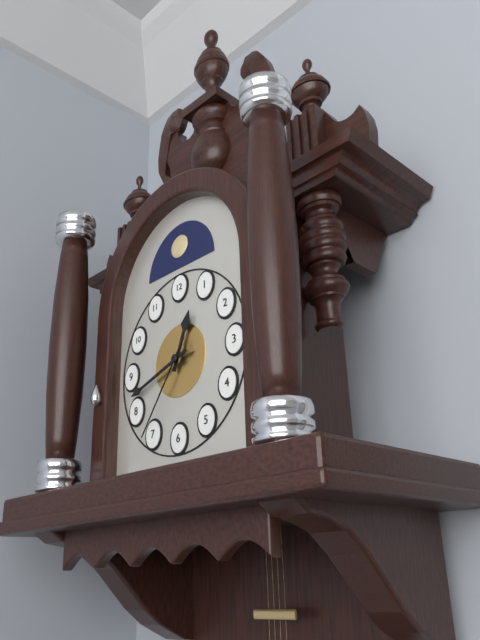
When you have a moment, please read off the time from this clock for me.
12:42:36
